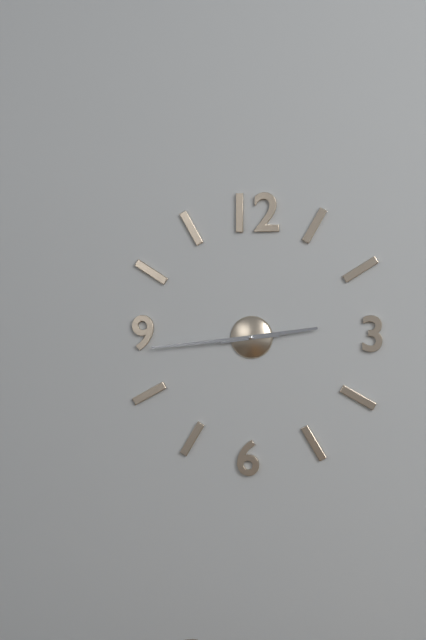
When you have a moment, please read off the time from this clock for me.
2:44
